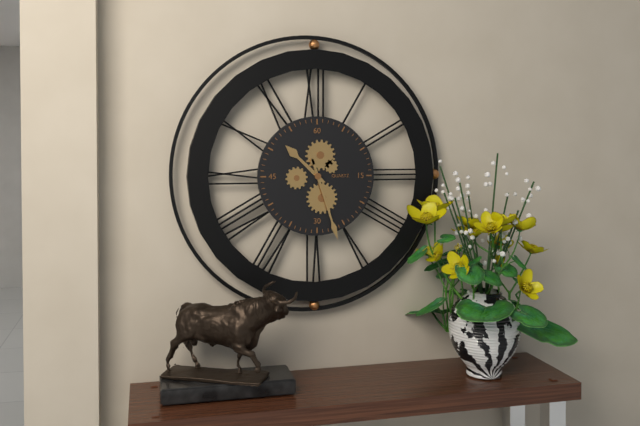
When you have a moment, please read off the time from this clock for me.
10:27
